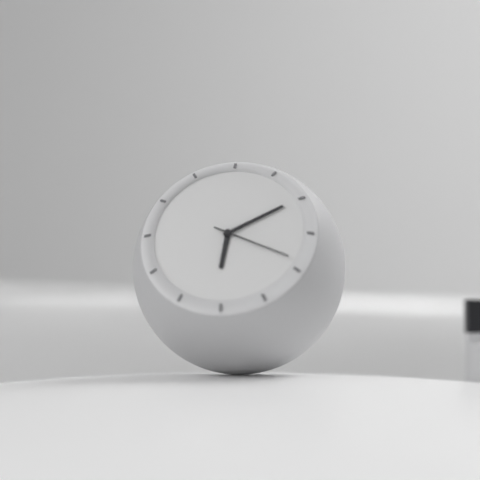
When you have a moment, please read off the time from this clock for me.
6:10:19
